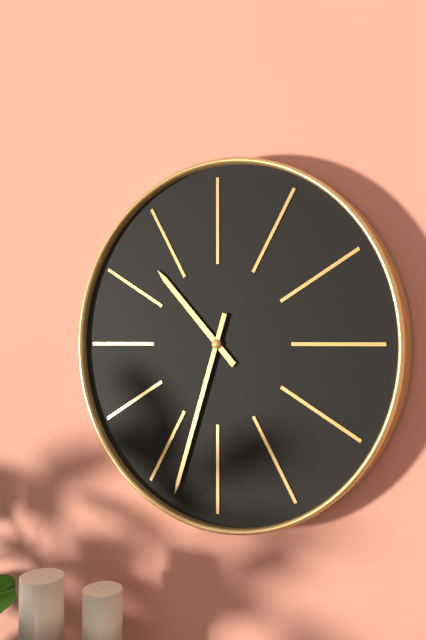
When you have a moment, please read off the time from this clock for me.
10:33
